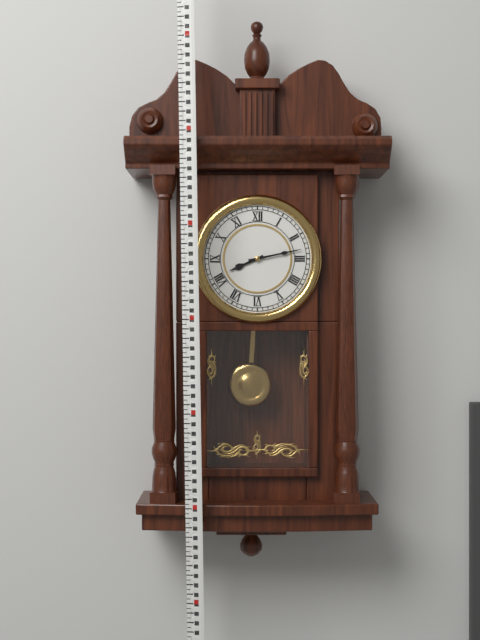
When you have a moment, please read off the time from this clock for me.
8:13
